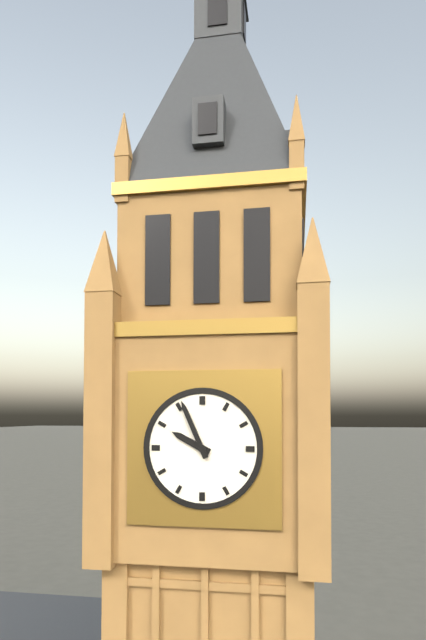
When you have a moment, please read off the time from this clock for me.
9:56
